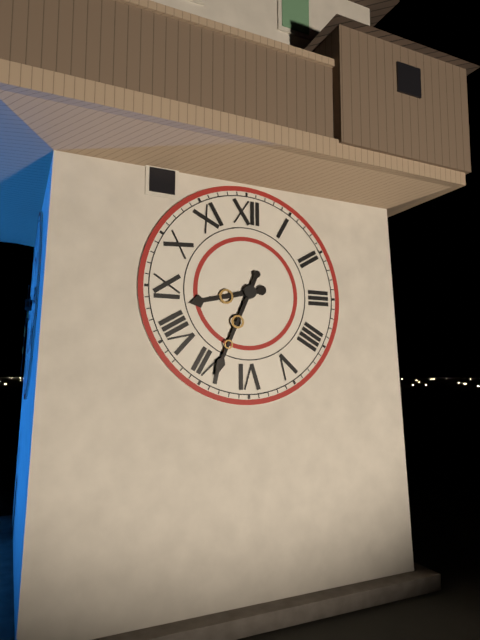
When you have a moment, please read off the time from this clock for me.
8:34
